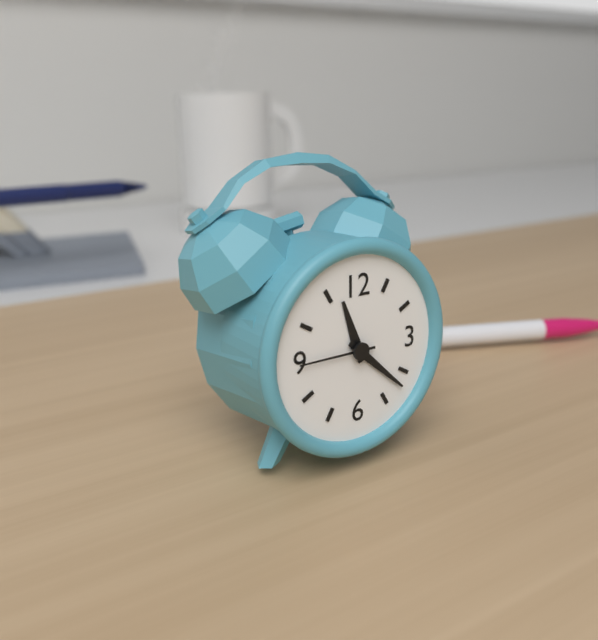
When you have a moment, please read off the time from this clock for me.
11:22:45
